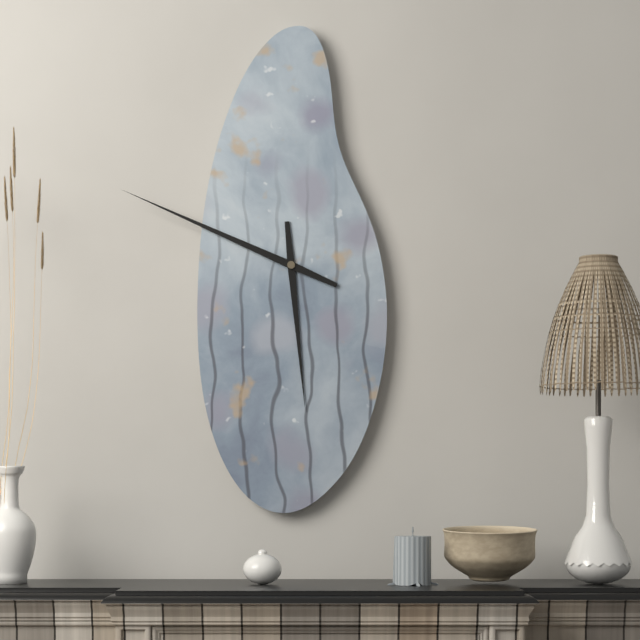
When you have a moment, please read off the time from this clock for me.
5:49
